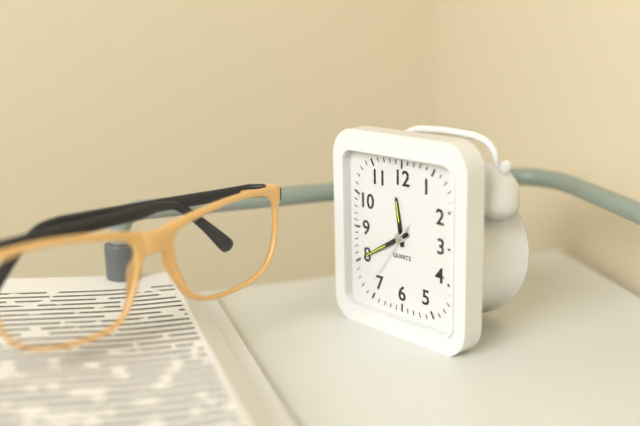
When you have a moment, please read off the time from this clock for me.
11:40:36
